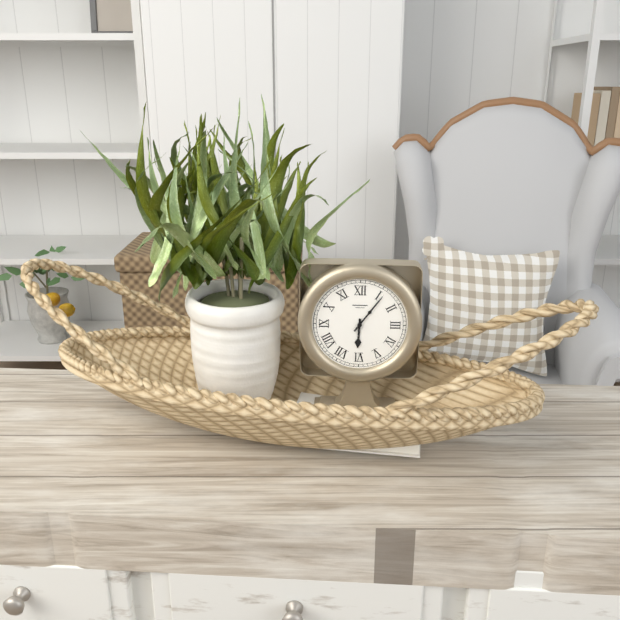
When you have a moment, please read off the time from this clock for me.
6:06
